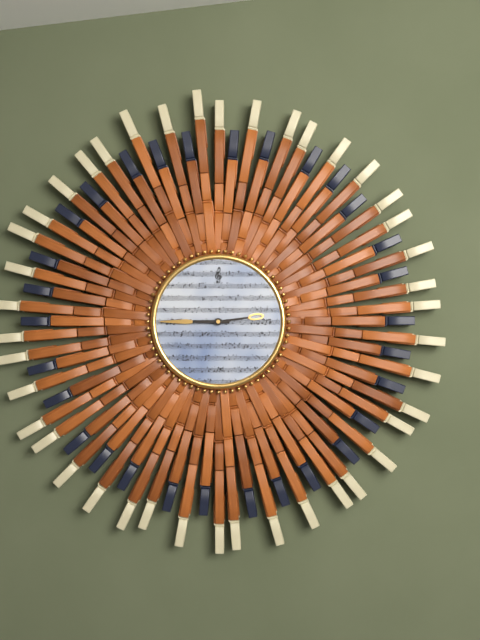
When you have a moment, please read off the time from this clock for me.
2:45
